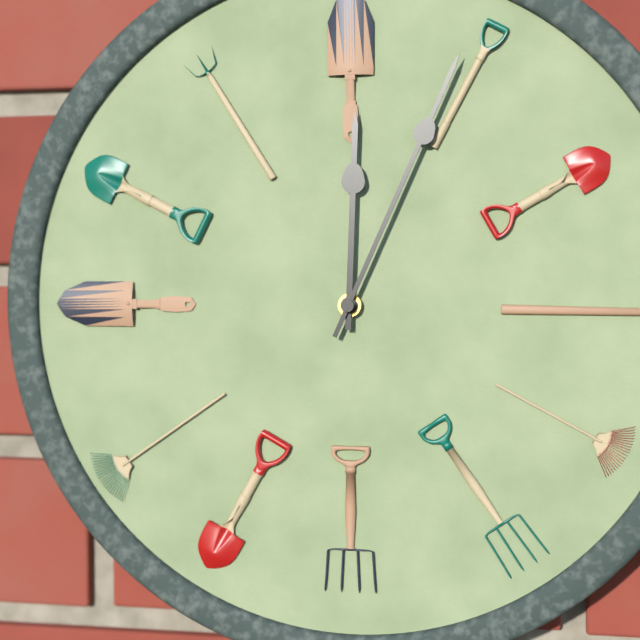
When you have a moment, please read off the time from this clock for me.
12:04
